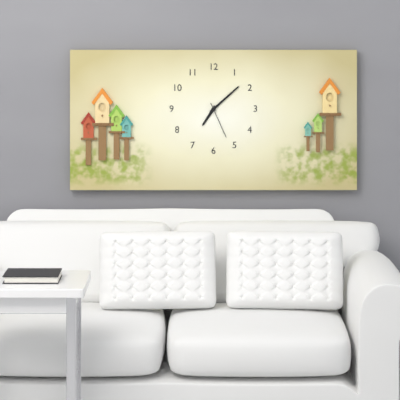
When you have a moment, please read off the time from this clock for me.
7:08
